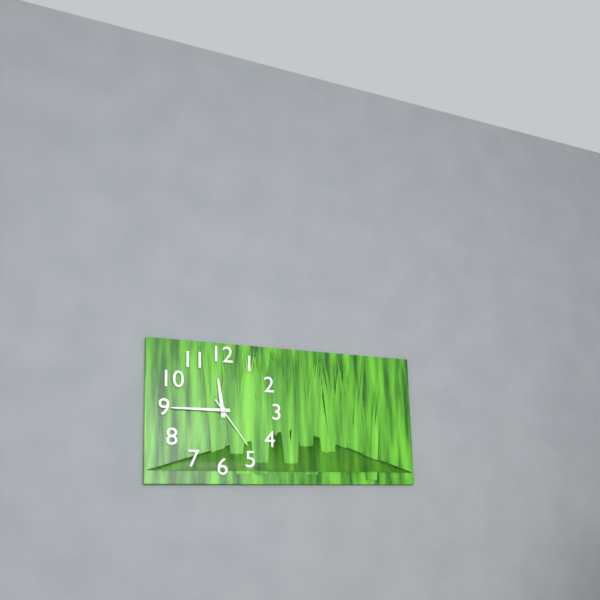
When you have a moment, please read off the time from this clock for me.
11:45:24
